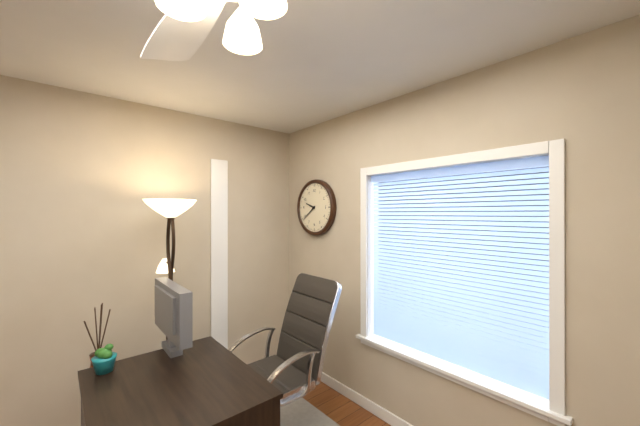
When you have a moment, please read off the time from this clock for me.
9:39
